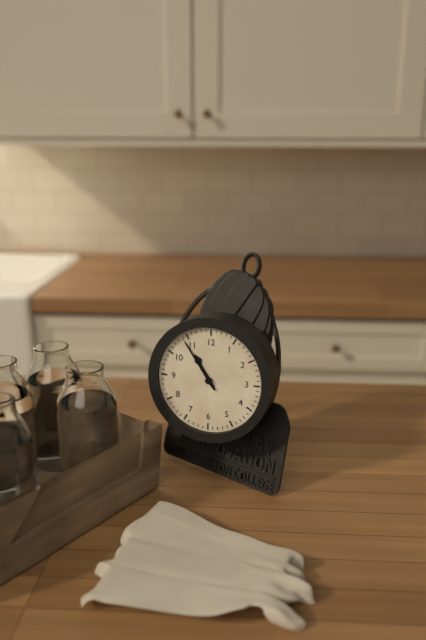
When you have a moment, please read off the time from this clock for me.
10:54
